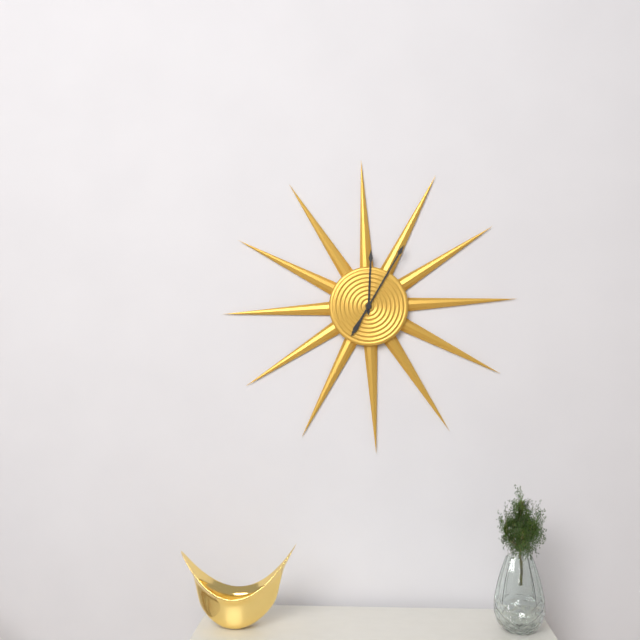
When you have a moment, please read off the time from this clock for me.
12:05
